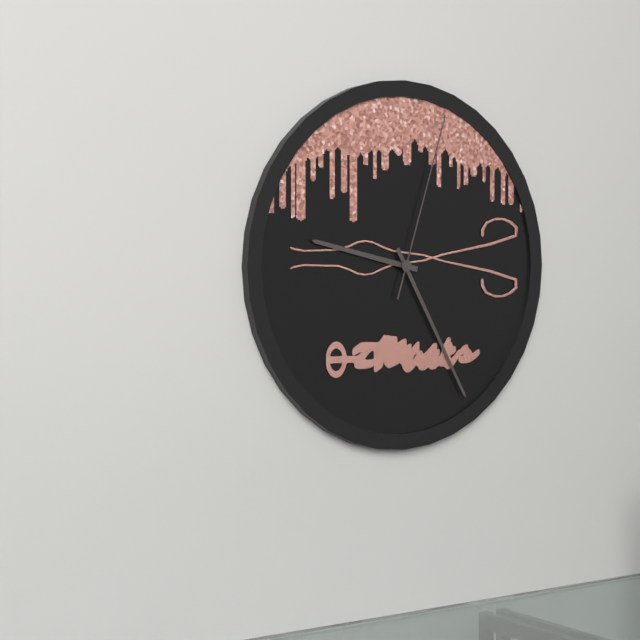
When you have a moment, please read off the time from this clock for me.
9:25:03
